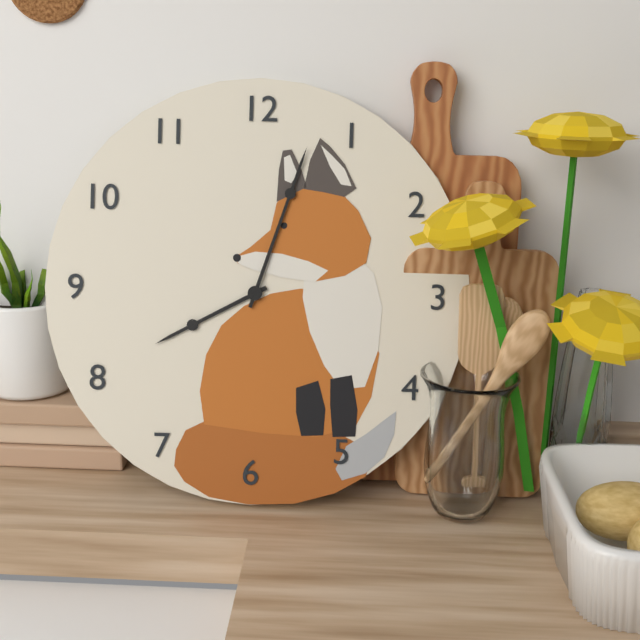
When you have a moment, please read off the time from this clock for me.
8:03
